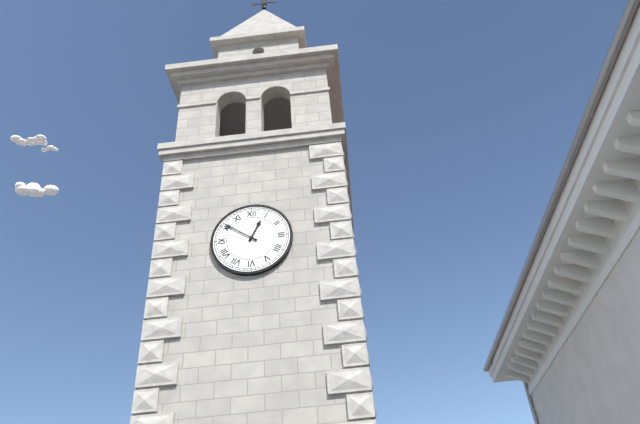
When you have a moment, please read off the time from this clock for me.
12:51
